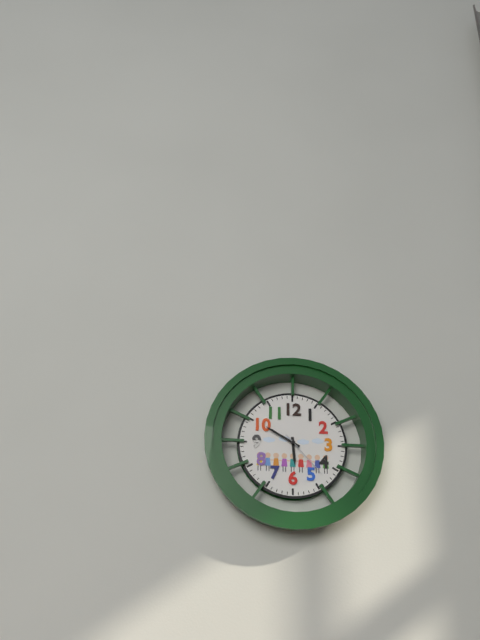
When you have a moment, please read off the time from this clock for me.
5:50:23
